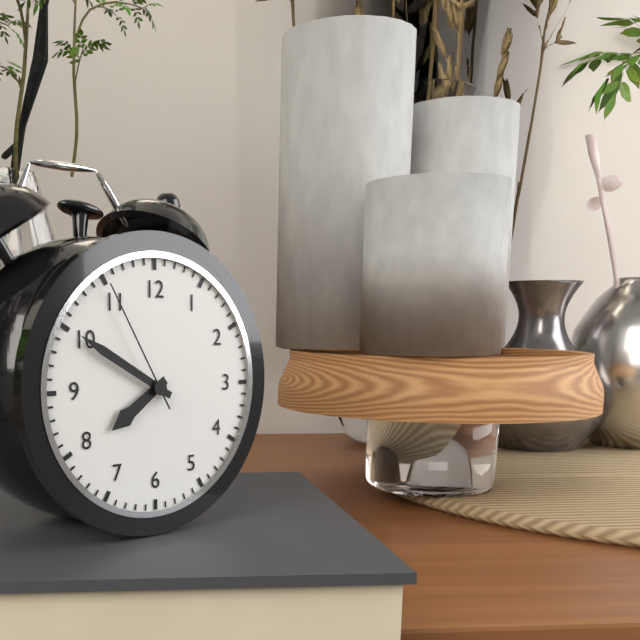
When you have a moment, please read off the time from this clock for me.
7:50:55
